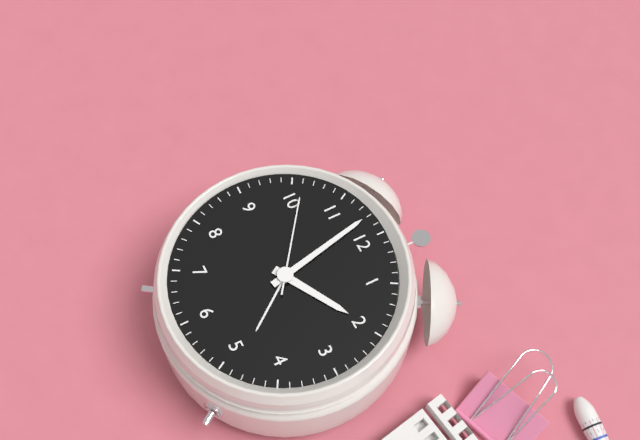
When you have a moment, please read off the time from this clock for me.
1:58:51
